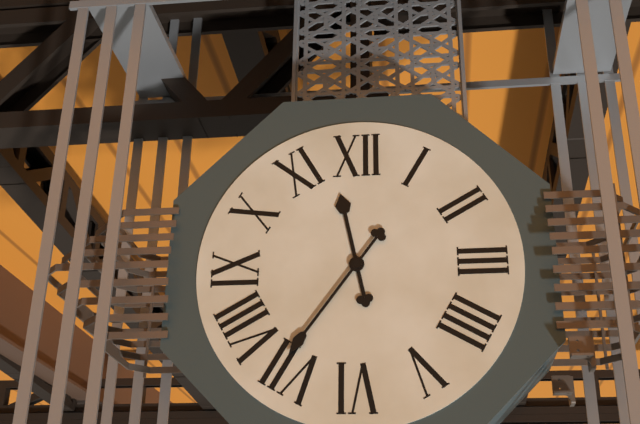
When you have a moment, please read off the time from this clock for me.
11:36
